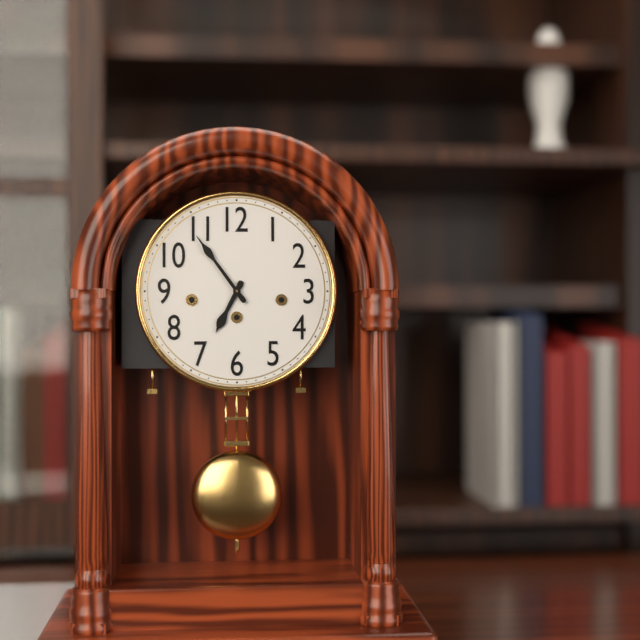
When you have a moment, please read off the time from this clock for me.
6:54
